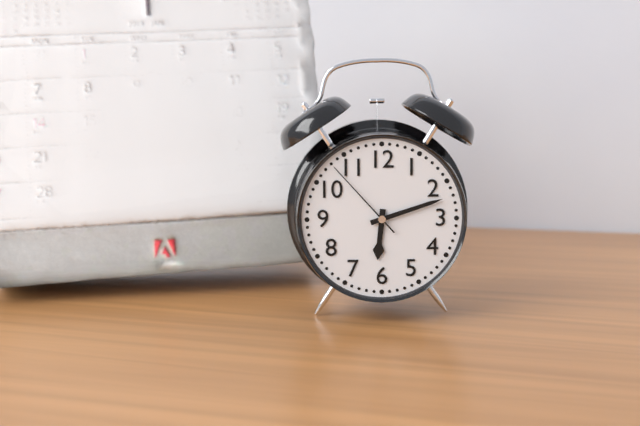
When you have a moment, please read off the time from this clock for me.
6:12:53
